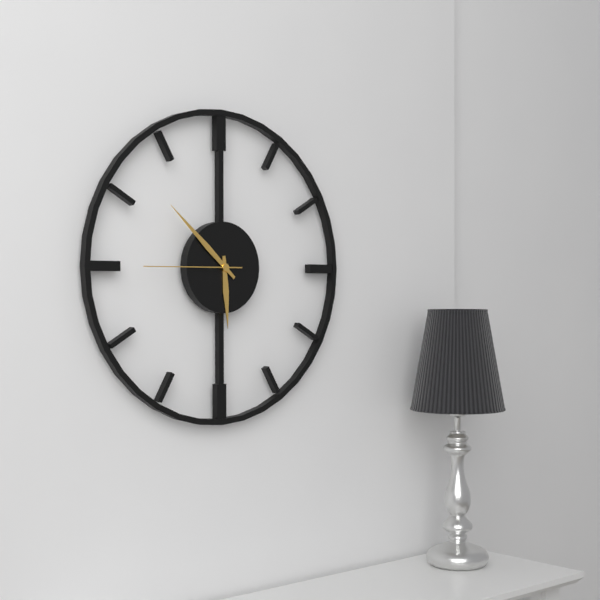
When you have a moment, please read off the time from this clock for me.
5:52:45
